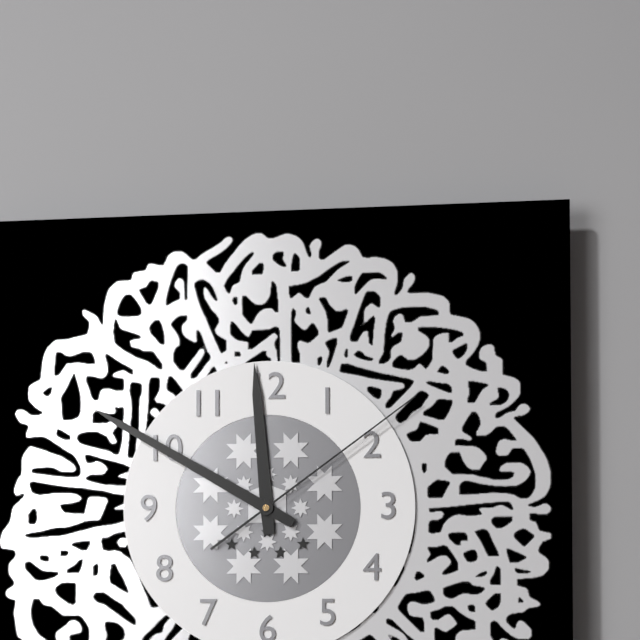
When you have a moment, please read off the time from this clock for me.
11:50:09
